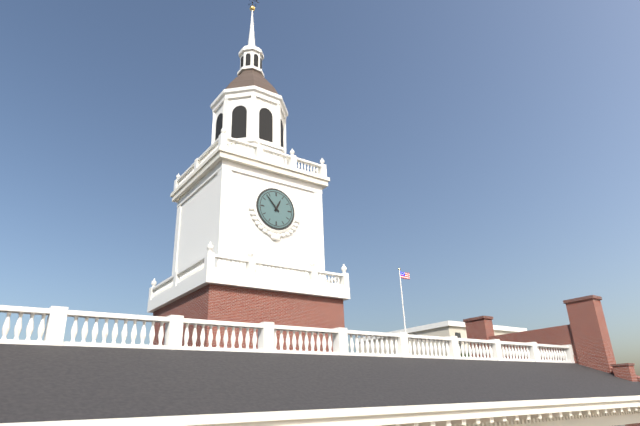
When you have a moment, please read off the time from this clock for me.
12:53
